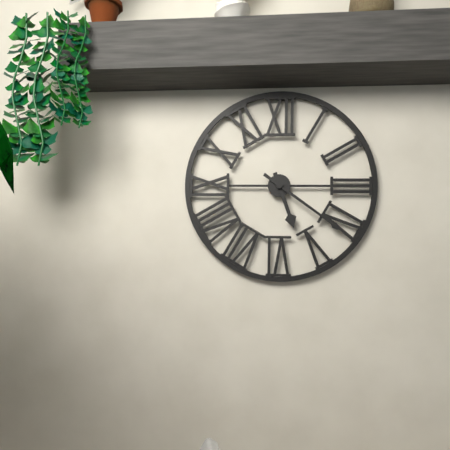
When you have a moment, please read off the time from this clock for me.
5:21
